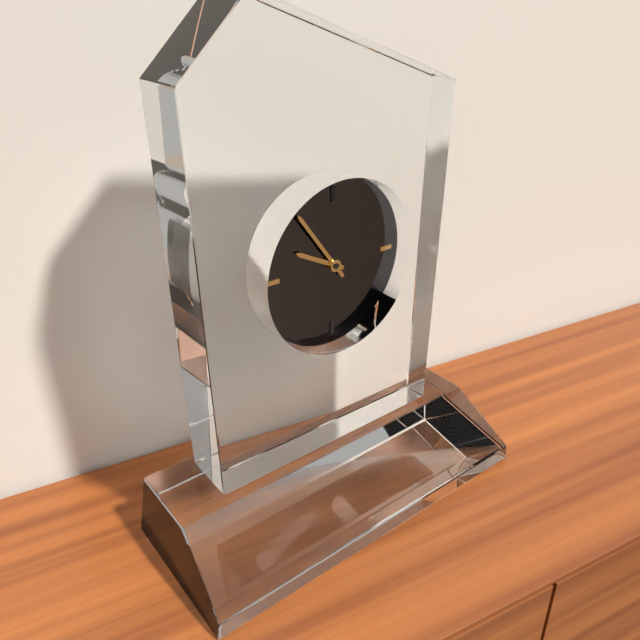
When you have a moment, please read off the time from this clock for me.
9:54
